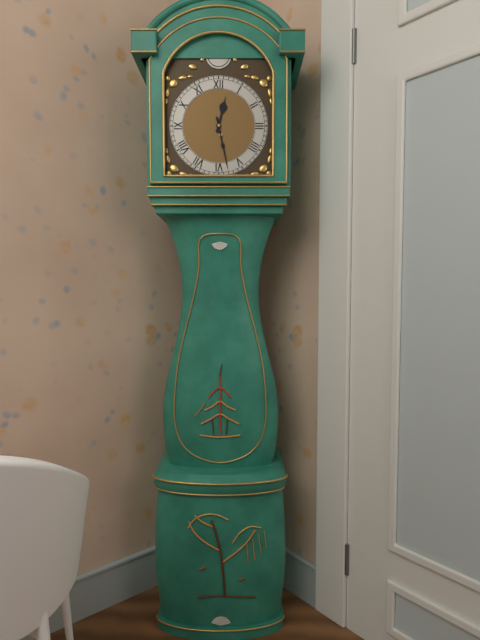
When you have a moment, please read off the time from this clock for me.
12:28
